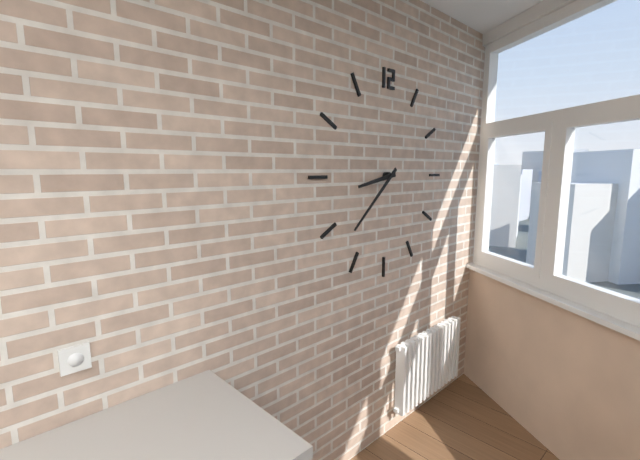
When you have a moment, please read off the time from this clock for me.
8:38
